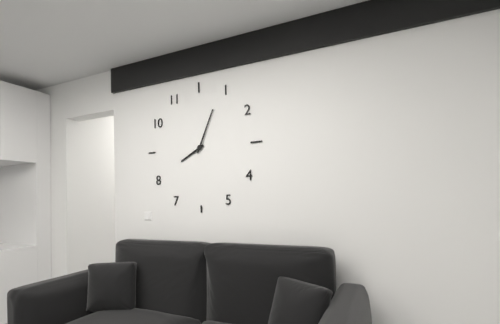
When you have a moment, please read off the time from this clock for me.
8:04
